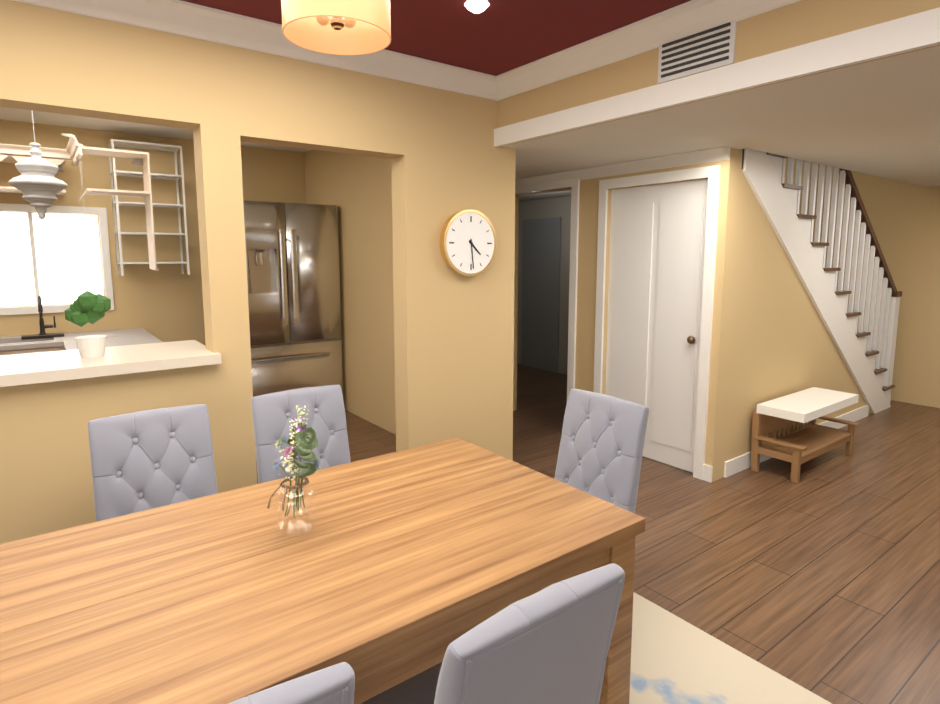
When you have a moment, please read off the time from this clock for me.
4:29
